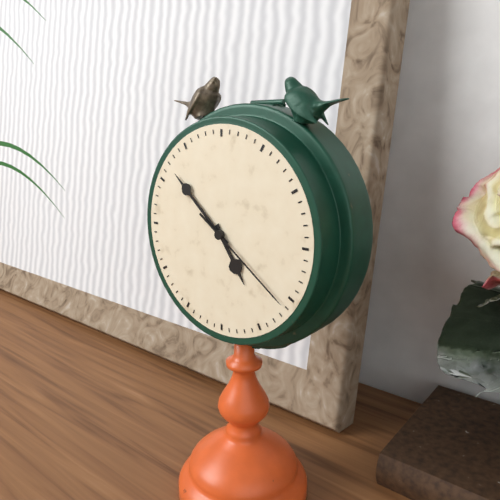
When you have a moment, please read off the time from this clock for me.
4:52:21
